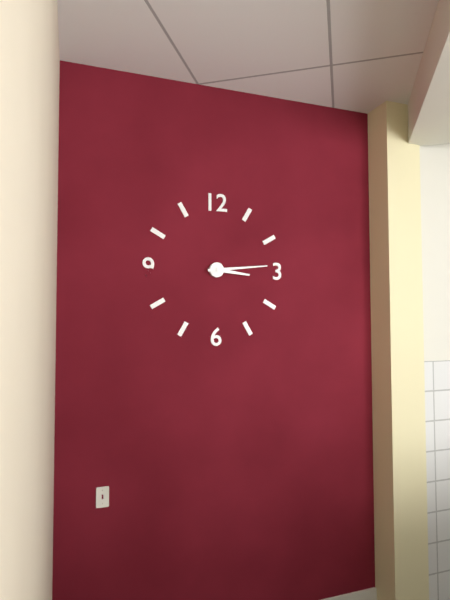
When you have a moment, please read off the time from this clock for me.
3:14
